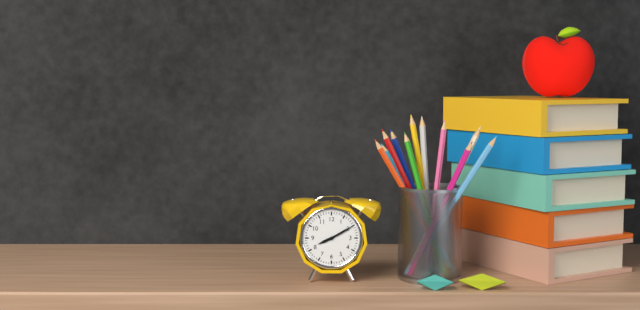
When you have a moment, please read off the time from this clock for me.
8:10
